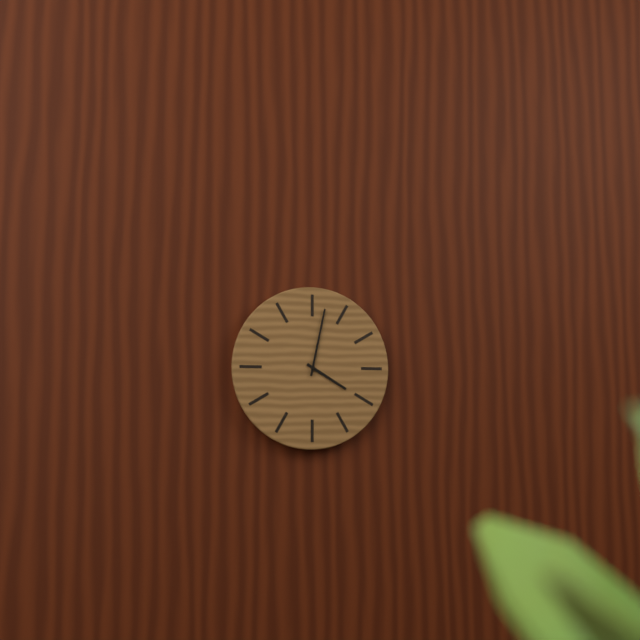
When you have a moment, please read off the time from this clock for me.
4:02
